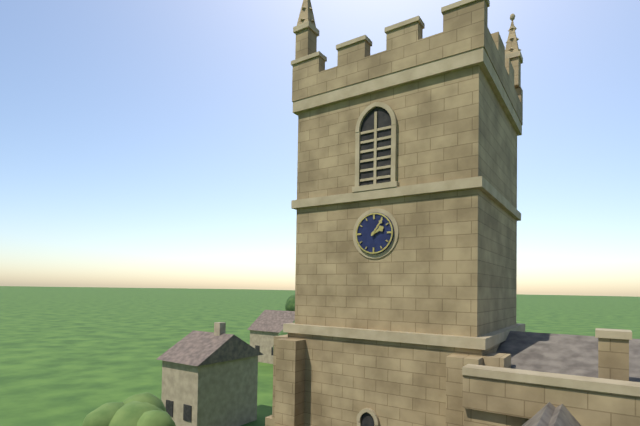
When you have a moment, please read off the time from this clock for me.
2:06
